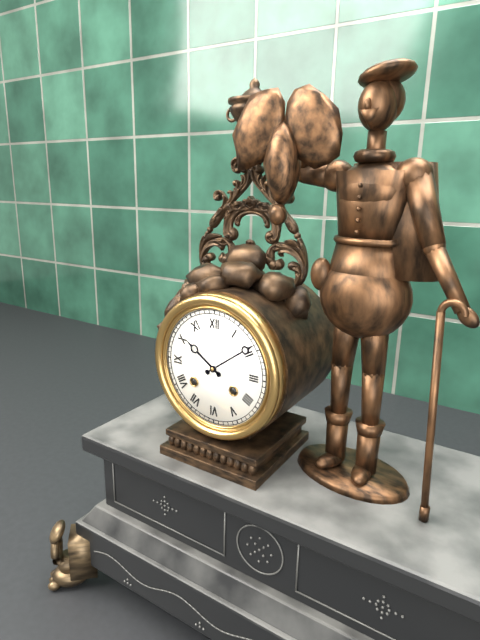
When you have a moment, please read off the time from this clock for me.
10:09
